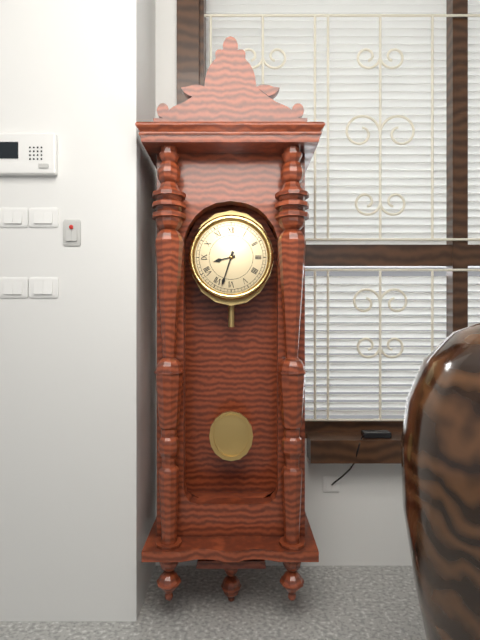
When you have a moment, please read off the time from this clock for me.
8:33
